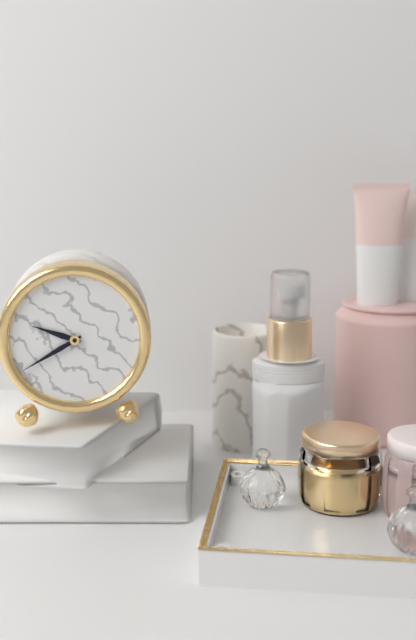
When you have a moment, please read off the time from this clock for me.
9:40
